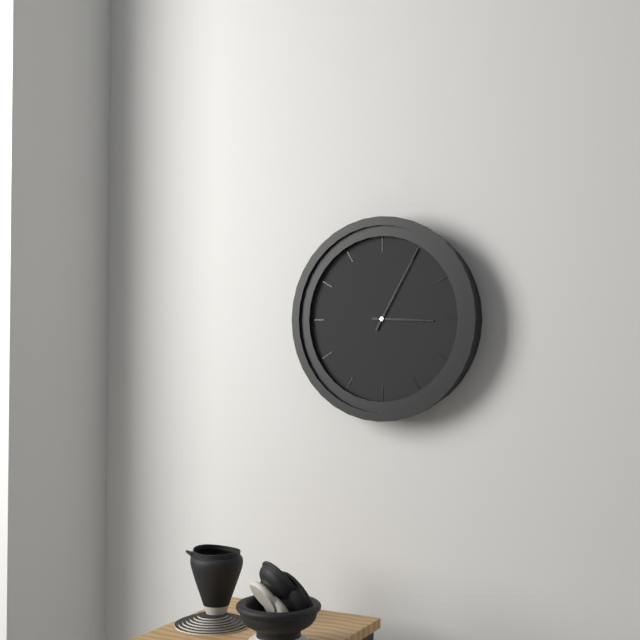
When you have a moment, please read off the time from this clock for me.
3:05
